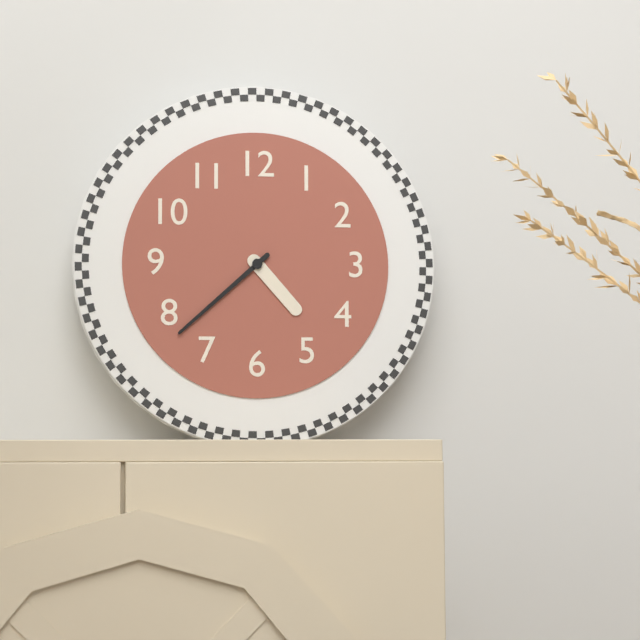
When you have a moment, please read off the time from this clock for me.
4:38
